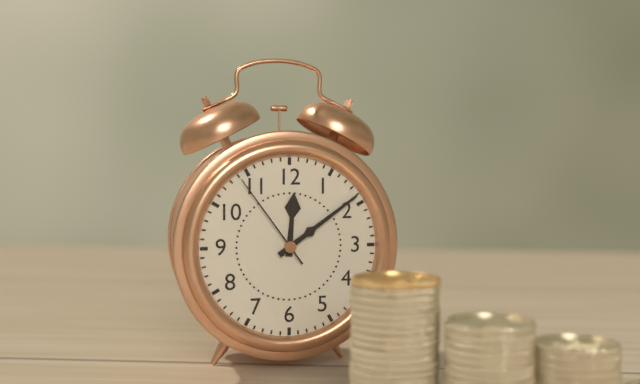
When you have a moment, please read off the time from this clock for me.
12:09:54
